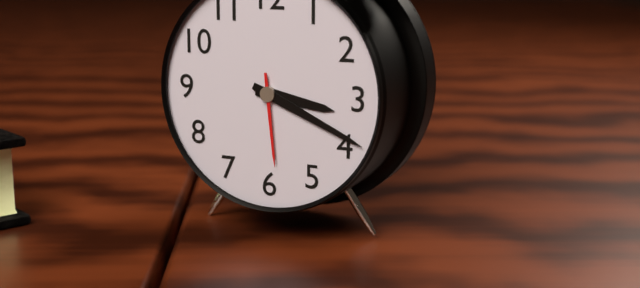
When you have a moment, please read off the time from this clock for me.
3:19:29
